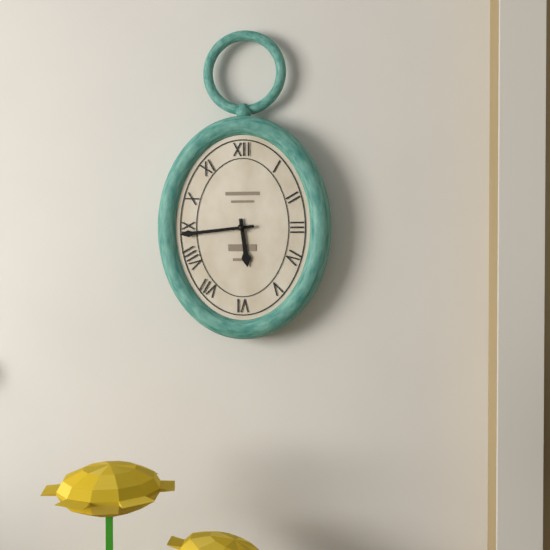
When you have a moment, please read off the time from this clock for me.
5:44
